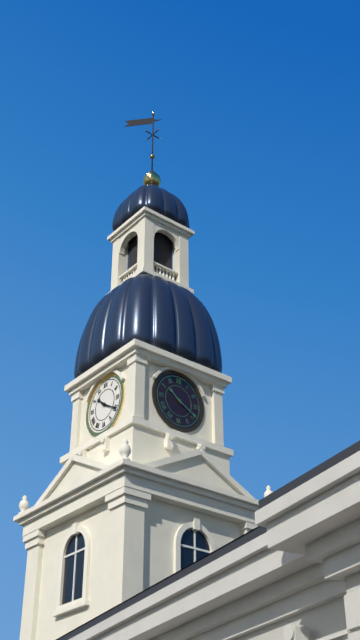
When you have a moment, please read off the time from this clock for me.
10:20
